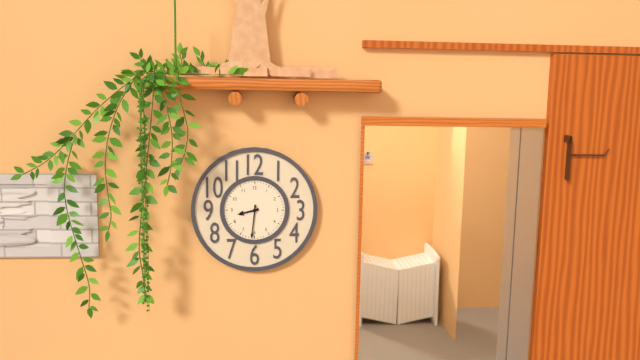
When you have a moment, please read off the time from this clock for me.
8:31
